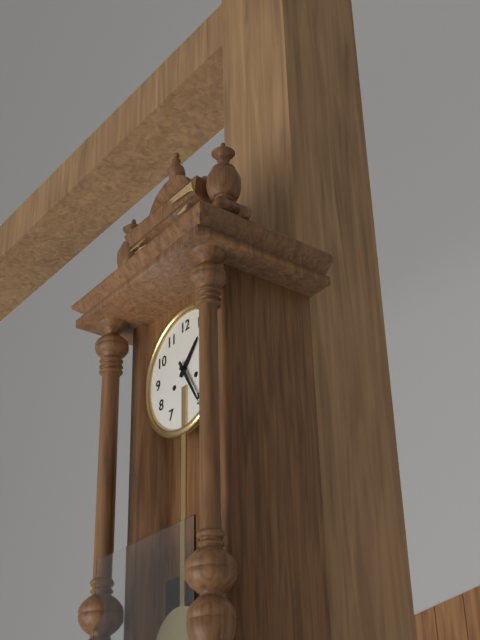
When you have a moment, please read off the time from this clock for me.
1:25
